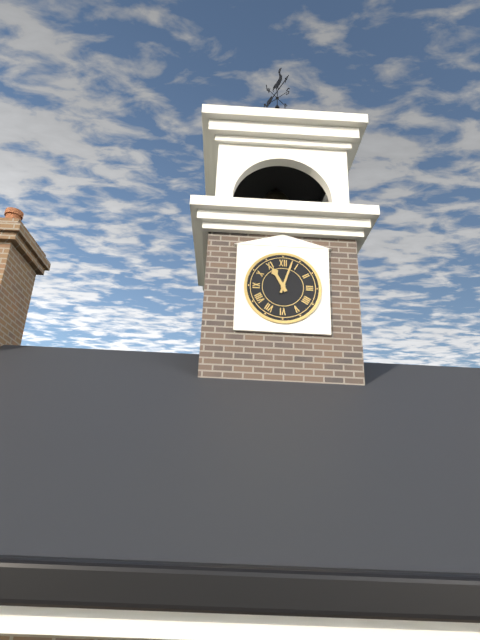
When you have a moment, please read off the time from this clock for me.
11:03
